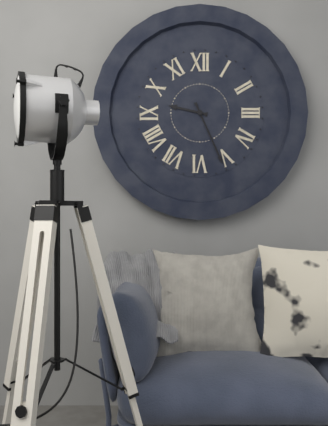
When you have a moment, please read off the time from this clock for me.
9:26
